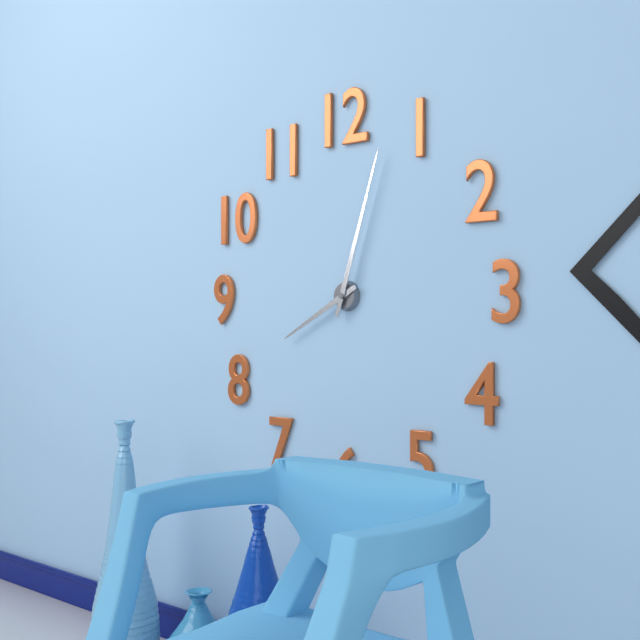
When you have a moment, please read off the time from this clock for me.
8:03
